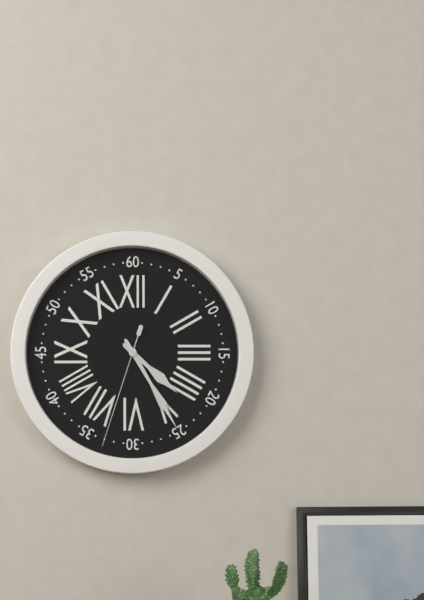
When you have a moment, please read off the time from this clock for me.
4:25:33
